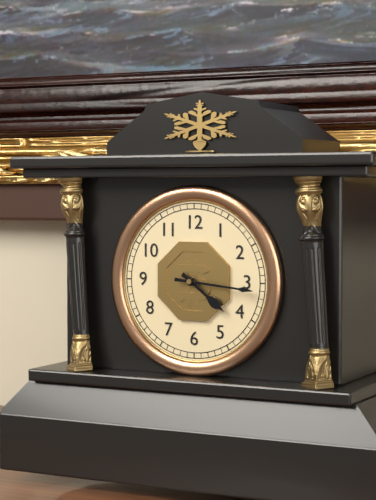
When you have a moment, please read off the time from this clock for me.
4:16
